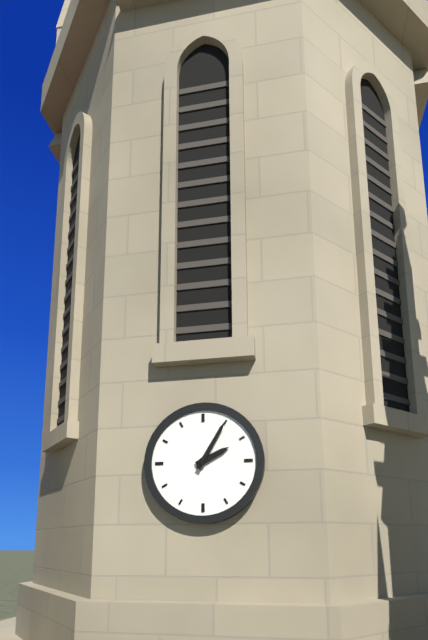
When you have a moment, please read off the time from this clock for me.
2:05
